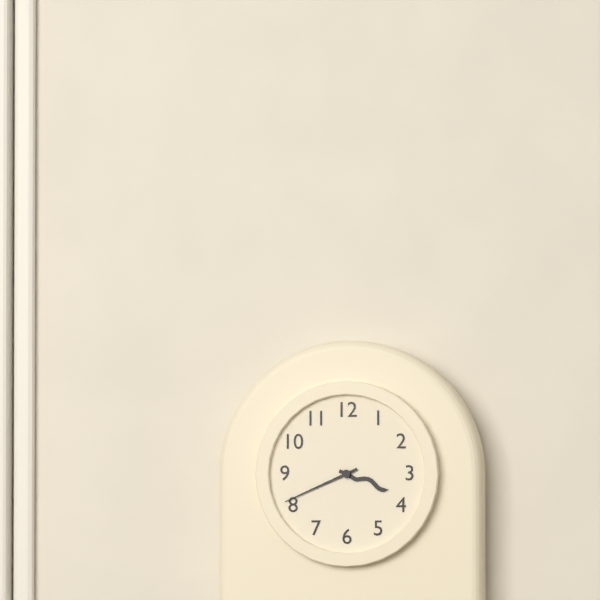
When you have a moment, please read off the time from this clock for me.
3:41
